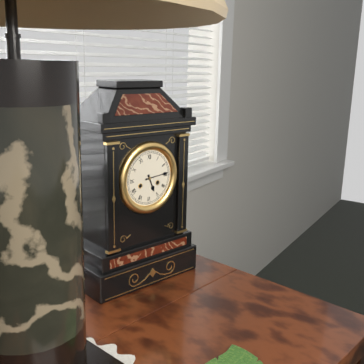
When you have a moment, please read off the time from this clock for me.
5:14
